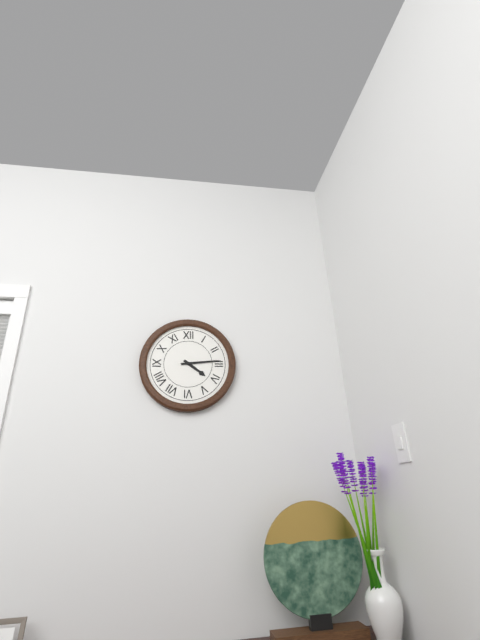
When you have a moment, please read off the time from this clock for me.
4:14
